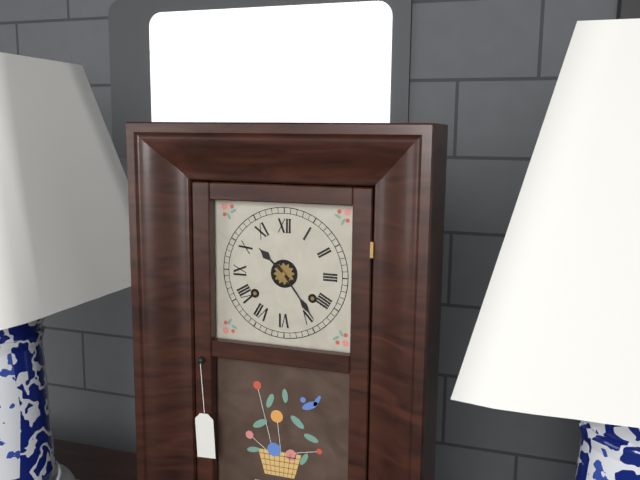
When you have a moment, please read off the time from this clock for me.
10:24
